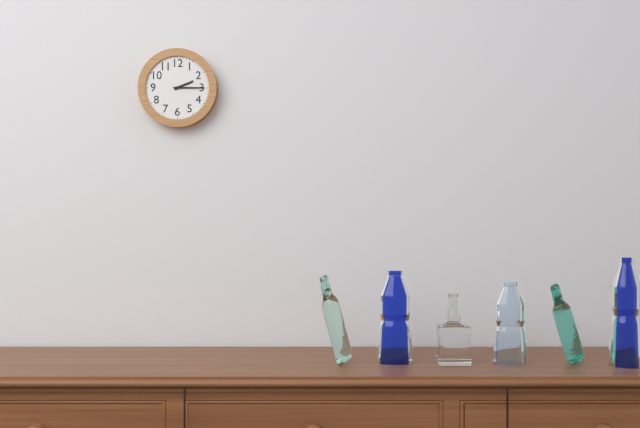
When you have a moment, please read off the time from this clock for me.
2:15
